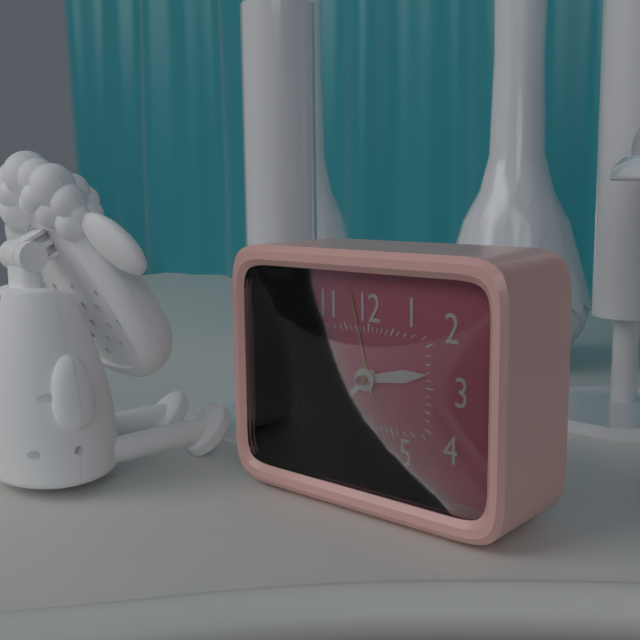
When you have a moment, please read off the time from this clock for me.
2:38
